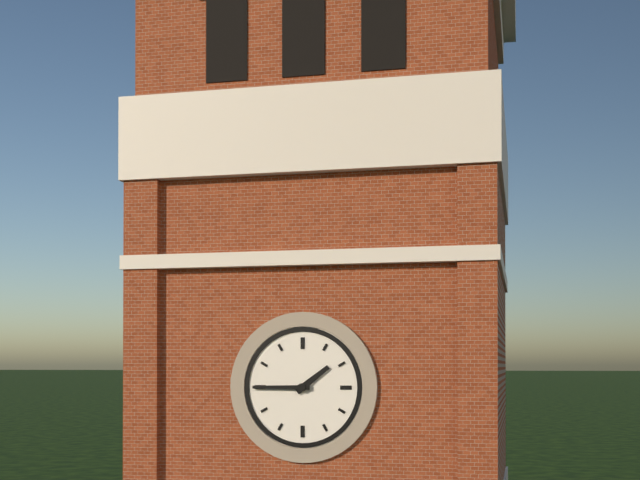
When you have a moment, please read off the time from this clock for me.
1:45
